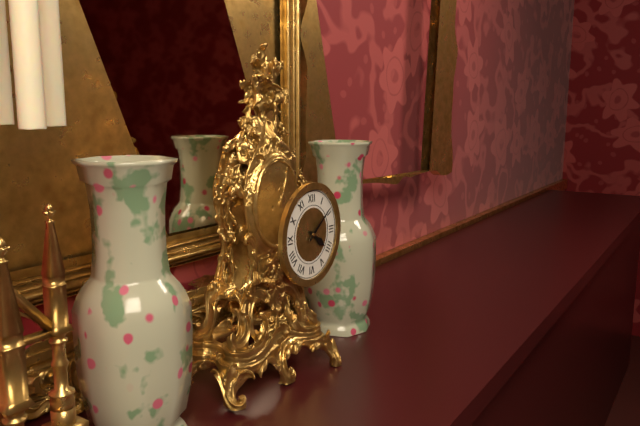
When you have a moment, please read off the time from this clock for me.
4:09
